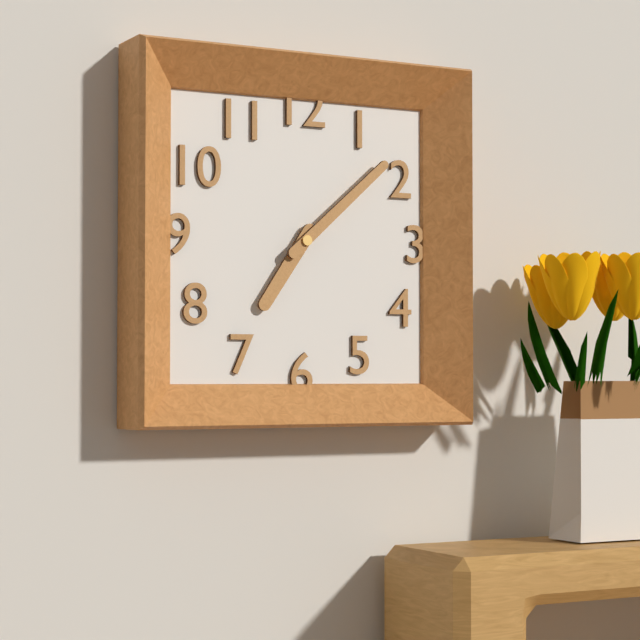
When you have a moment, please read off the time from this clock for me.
7:08
